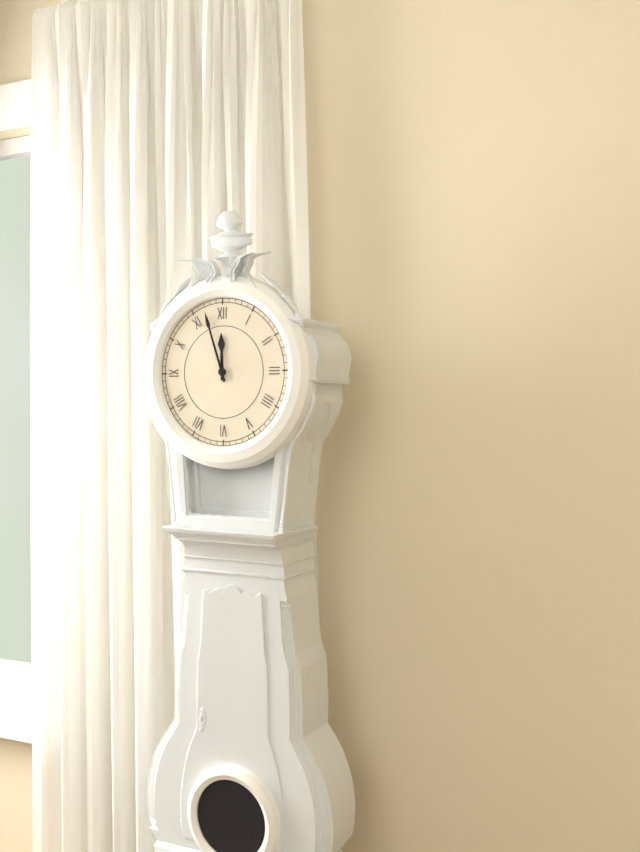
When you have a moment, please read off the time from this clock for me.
11:57
